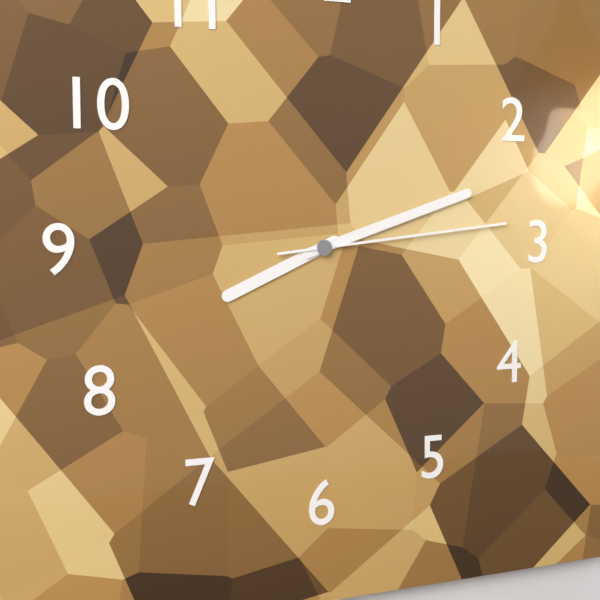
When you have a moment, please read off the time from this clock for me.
8:12:14
